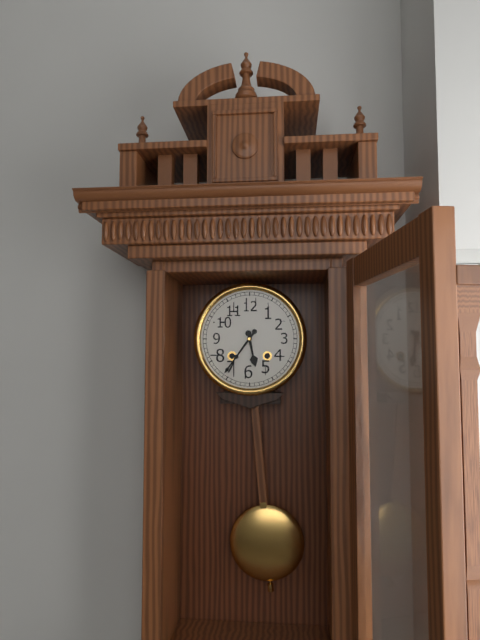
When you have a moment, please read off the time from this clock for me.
5:36
